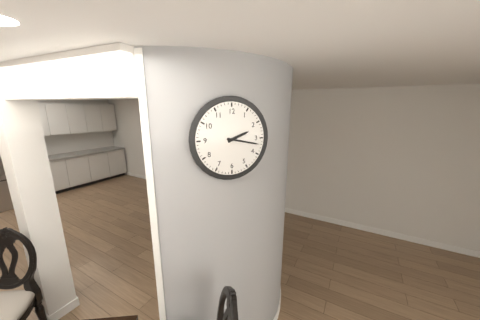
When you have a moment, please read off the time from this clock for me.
2:17
